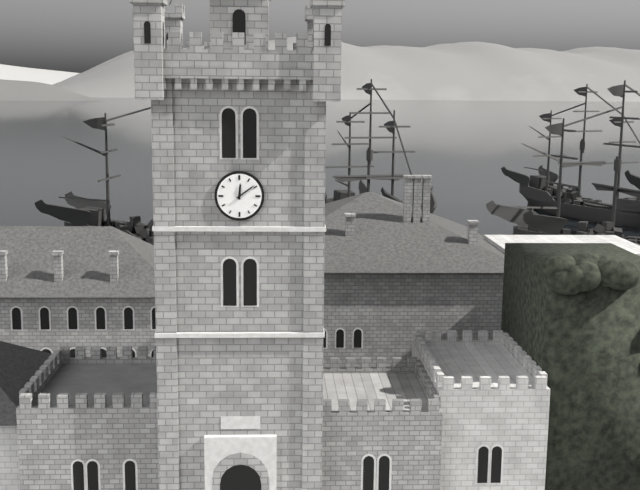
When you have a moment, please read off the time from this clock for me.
12:09
